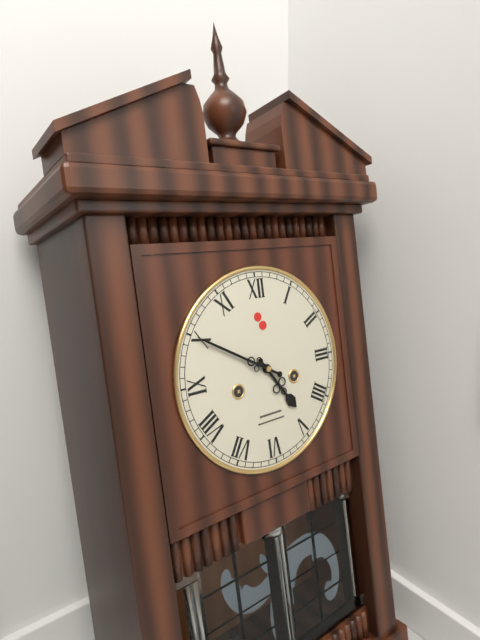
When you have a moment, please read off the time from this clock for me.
4:50
